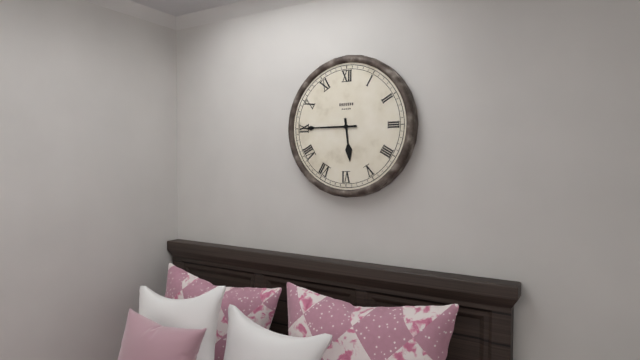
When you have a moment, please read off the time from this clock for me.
5:45
